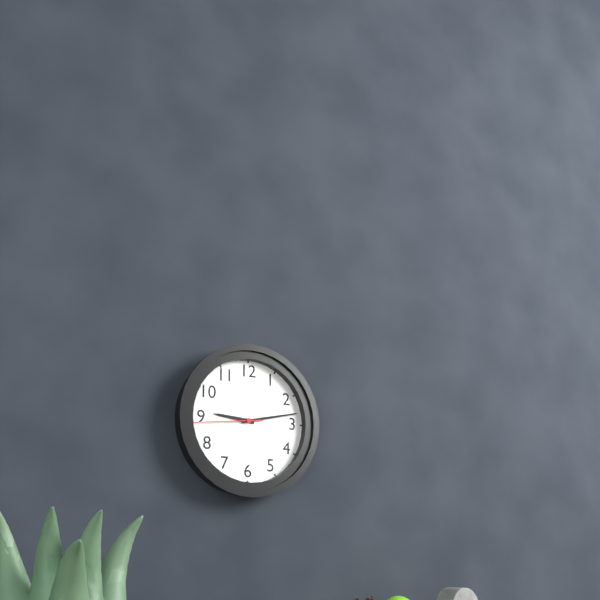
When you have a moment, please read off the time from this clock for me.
9:13:44
